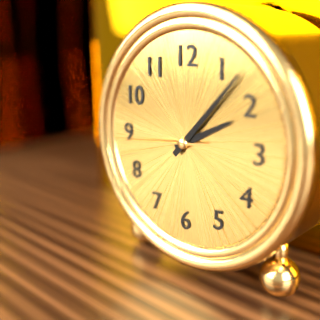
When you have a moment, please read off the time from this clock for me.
2:07:44
